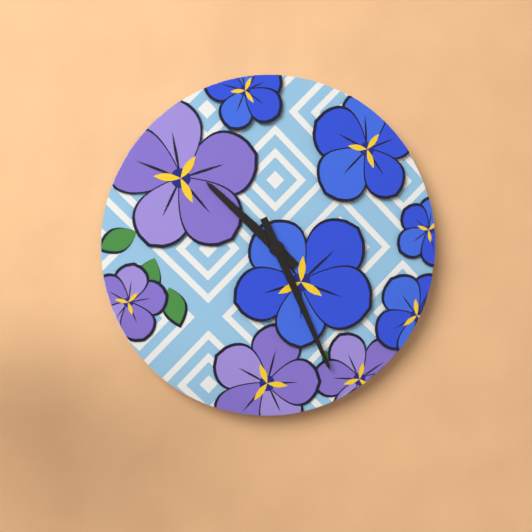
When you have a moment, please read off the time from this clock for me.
10:26
